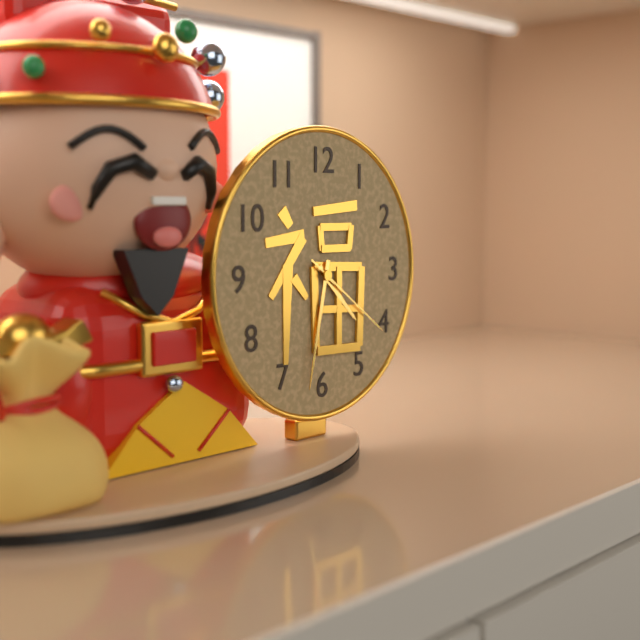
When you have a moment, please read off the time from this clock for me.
4:32:21
